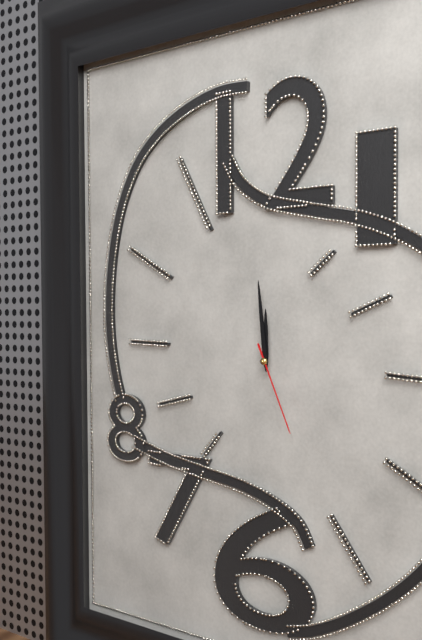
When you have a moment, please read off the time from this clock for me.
11:59:26
